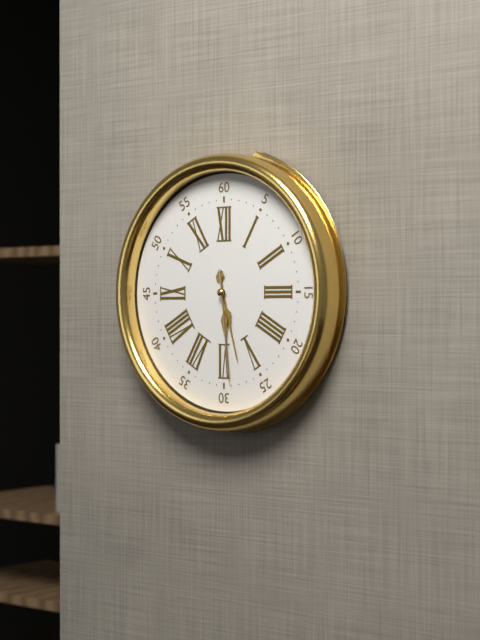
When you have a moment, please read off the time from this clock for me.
5:29:29
